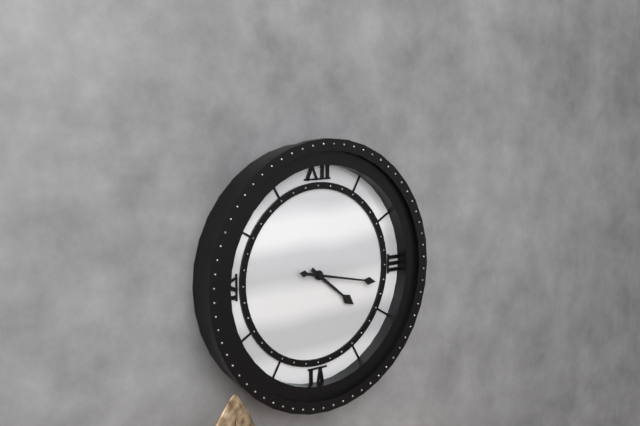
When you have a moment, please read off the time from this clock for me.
4:17
